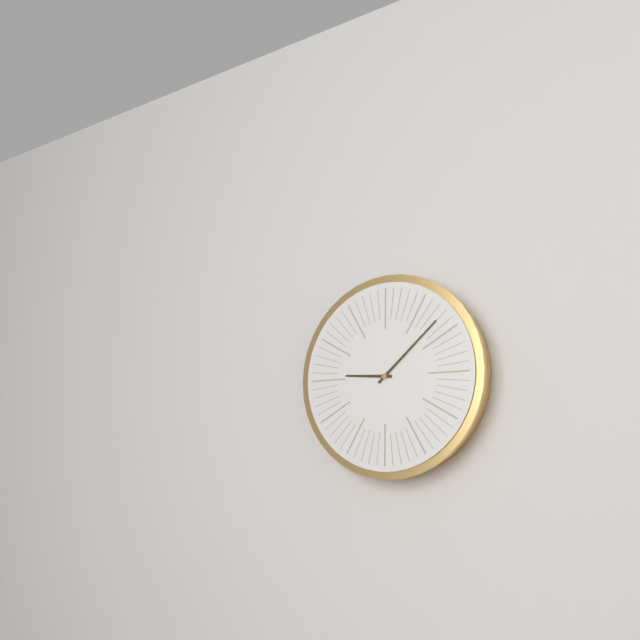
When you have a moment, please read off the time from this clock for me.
9:08
